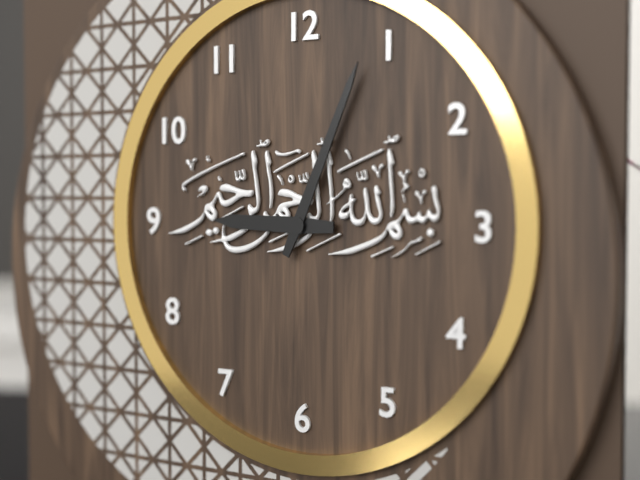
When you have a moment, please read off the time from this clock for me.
9:04
